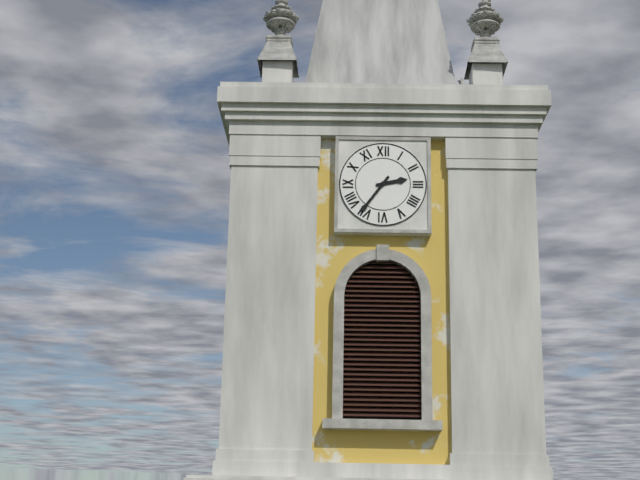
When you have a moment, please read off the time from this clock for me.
2:36
